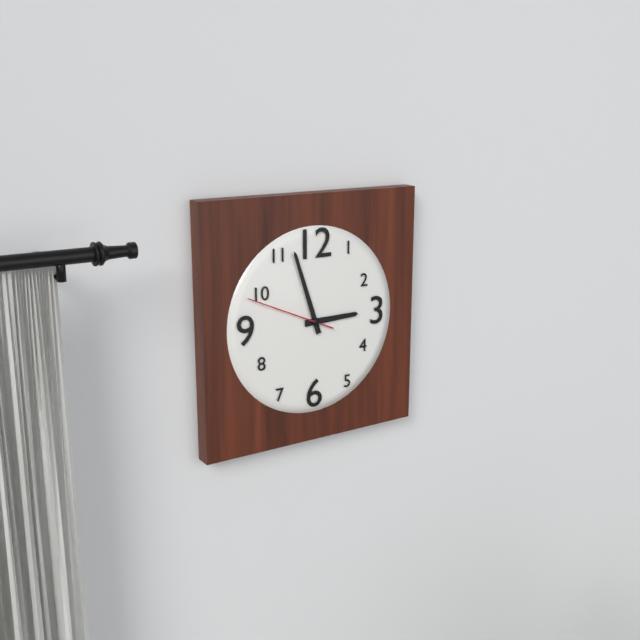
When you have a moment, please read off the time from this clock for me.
2:57:49
